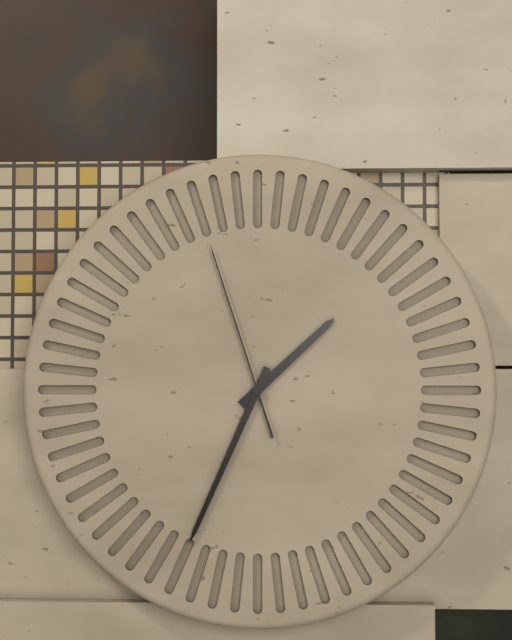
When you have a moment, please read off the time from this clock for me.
1:34:57
